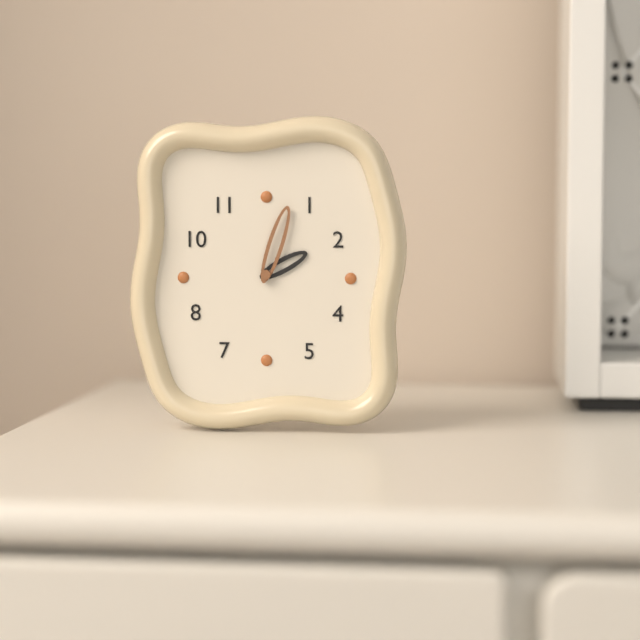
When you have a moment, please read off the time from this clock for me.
2:03
